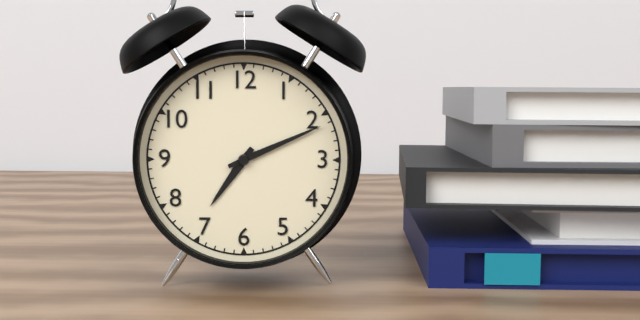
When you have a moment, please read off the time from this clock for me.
7:11
